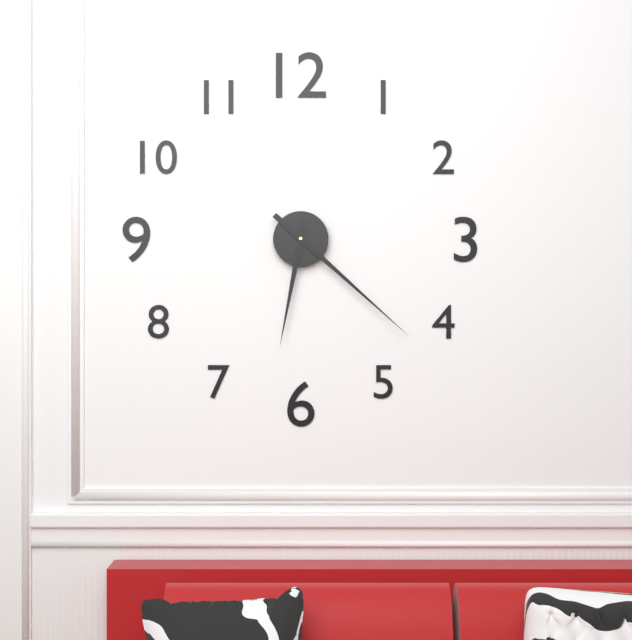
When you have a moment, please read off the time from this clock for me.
6:22
